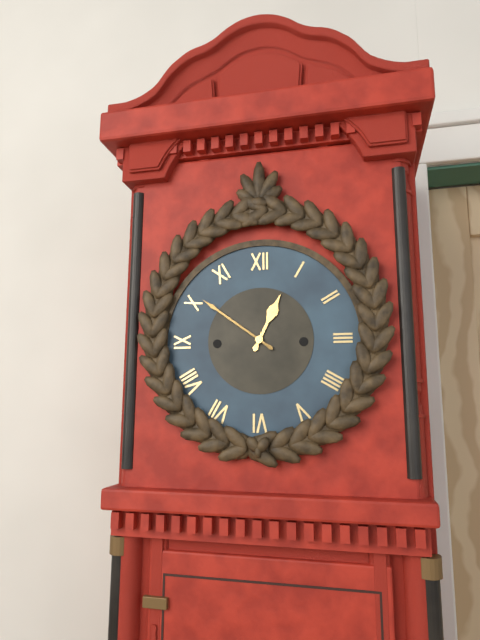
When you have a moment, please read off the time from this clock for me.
12:51
